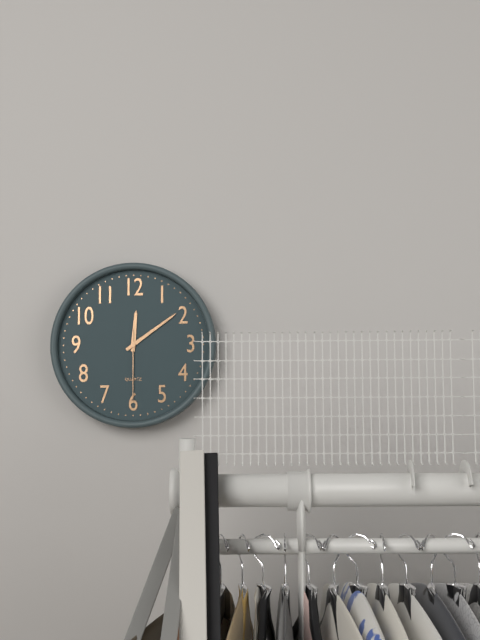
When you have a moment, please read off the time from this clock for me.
12:09:30
